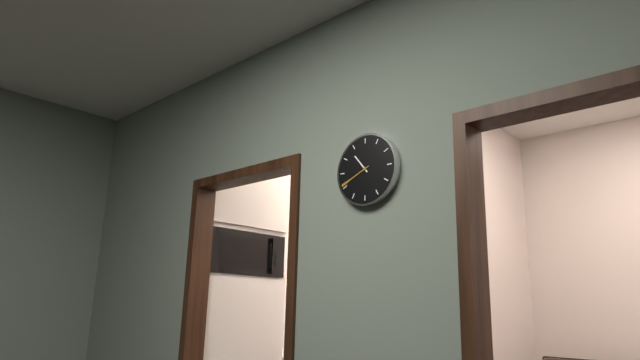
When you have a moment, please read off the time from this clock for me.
10:41
